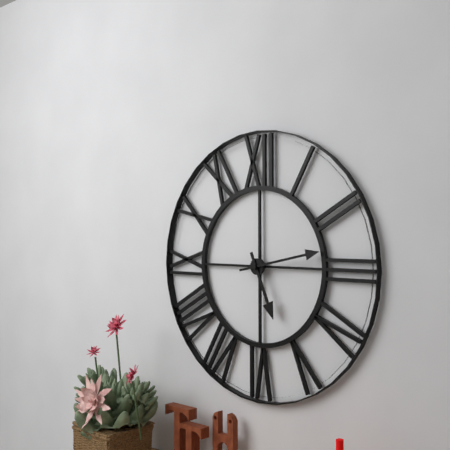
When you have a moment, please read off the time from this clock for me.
5:13
